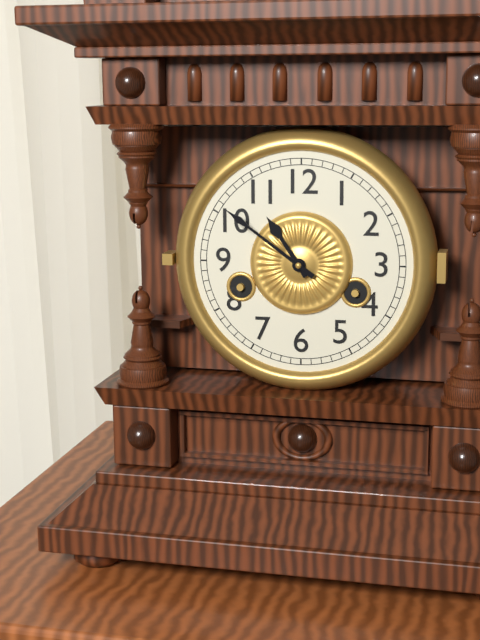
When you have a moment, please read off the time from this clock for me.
10:51
